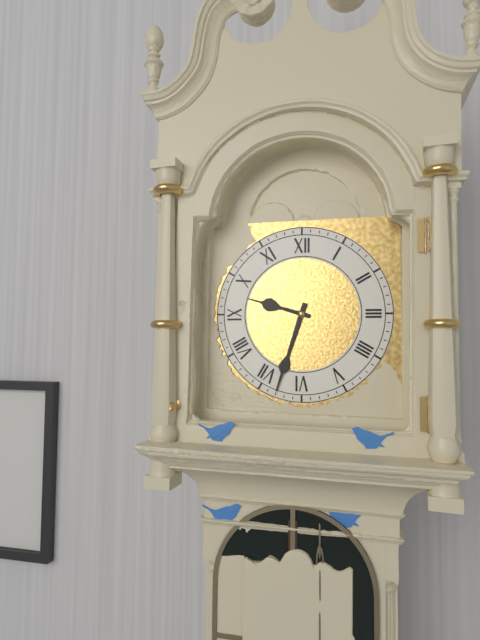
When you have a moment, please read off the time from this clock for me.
9:33
